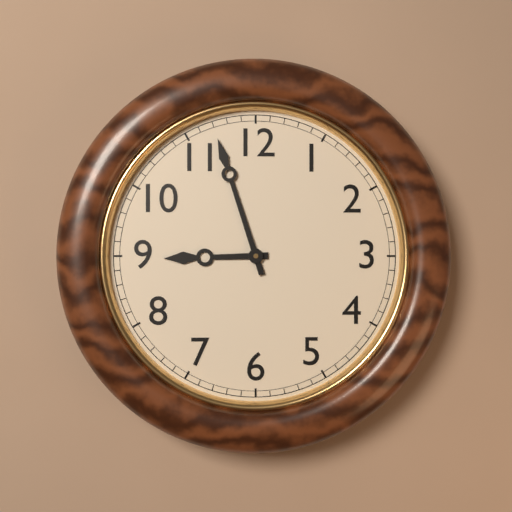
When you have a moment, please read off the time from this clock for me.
8:57
